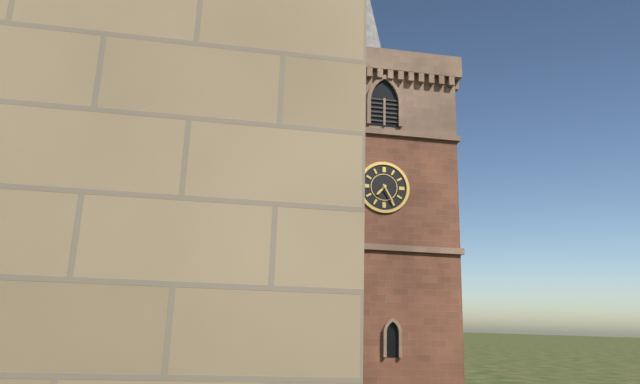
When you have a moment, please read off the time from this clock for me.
7:25
